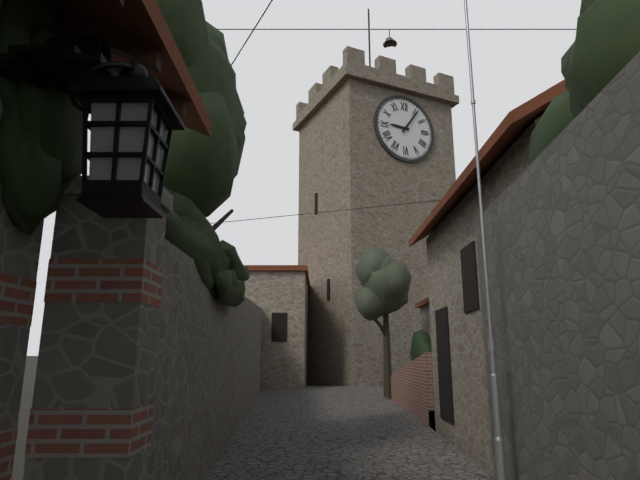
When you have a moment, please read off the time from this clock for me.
9:06
